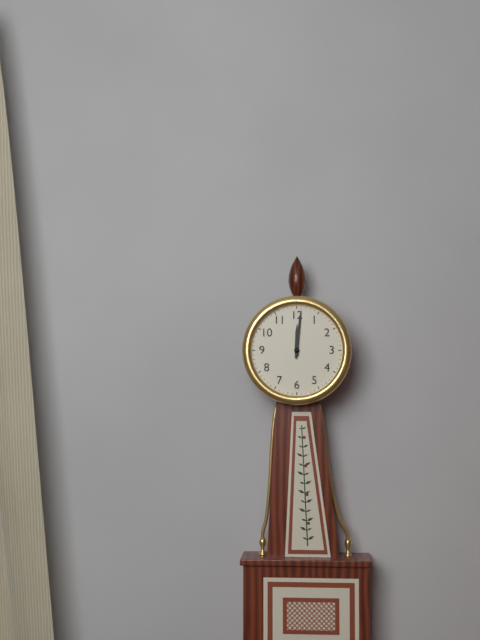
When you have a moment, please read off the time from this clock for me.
12:01
